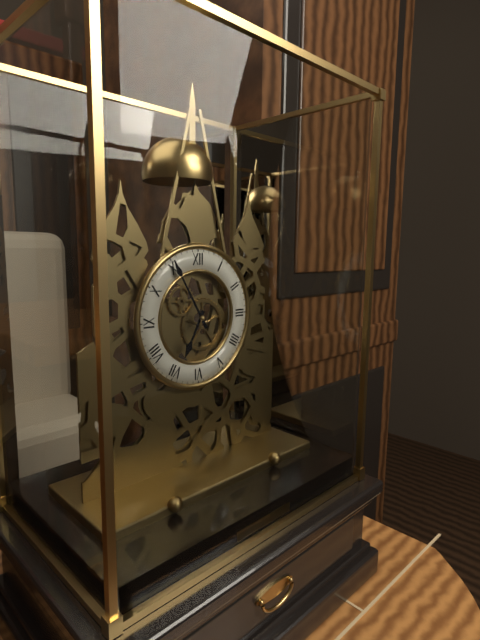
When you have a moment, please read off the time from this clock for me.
6:55
